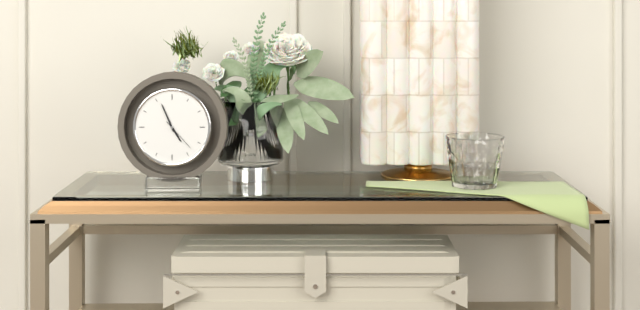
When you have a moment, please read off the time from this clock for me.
4:56
